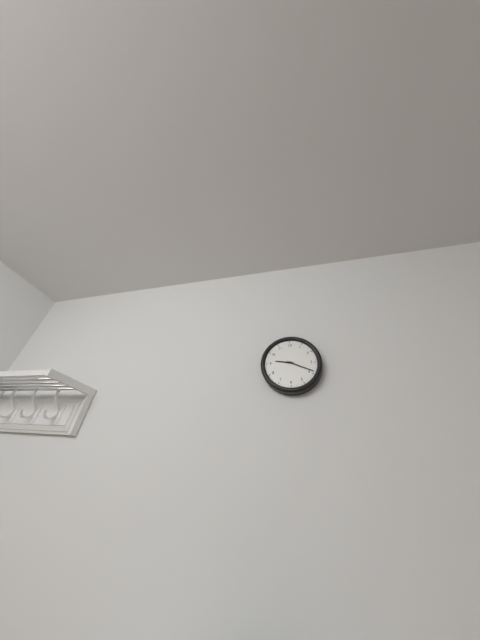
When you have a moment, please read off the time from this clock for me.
9:19
